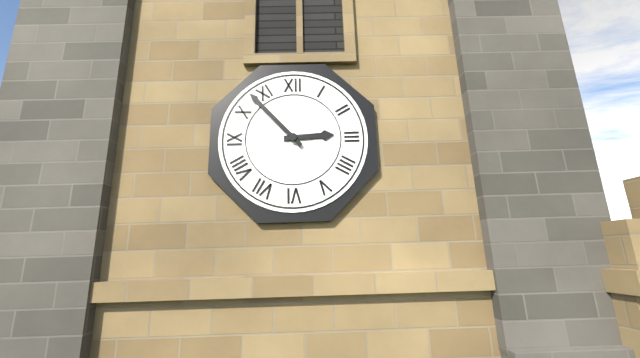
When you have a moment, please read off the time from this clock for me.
2:53
